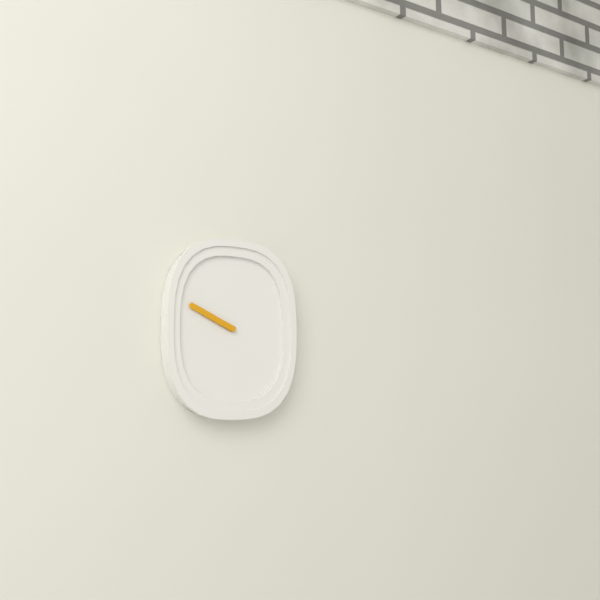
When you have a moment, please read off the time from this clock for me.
9:49
